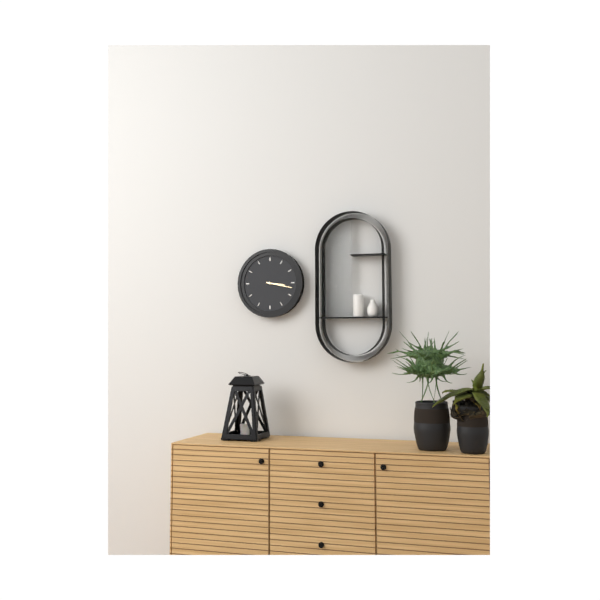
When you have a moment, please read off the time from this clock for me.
3:17
